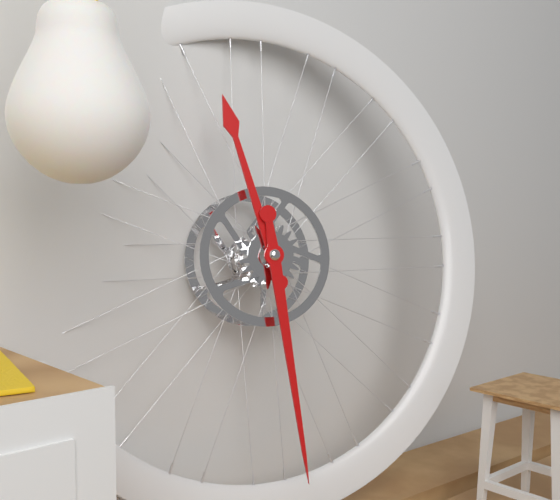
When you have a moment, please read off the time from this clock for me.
11:29
